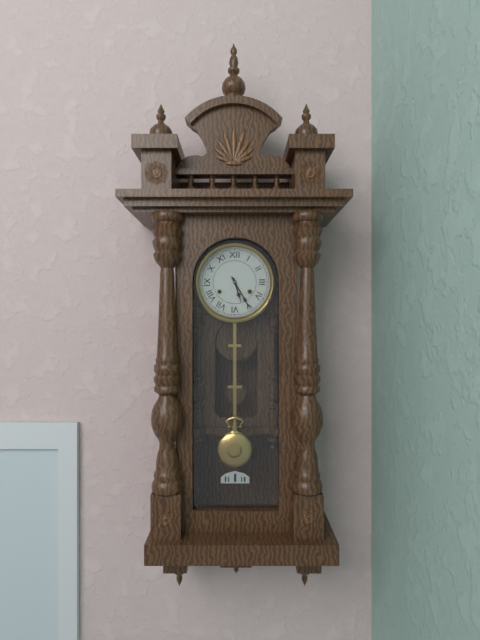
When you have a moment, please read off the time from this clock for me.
5:25
